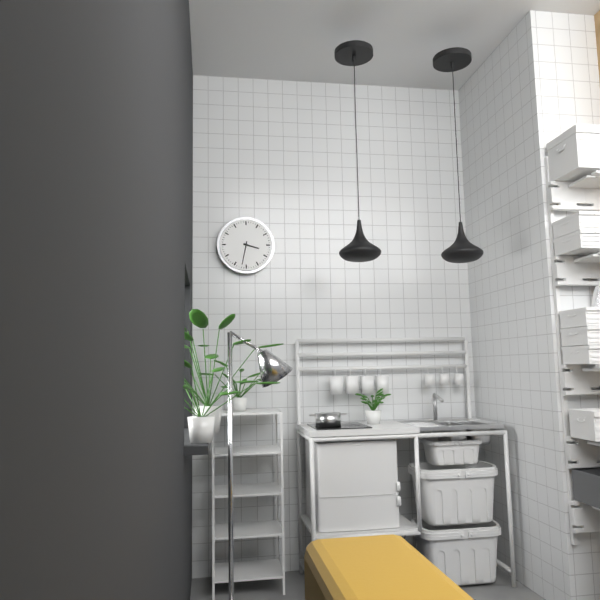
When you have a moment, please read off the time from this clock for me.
3:32
